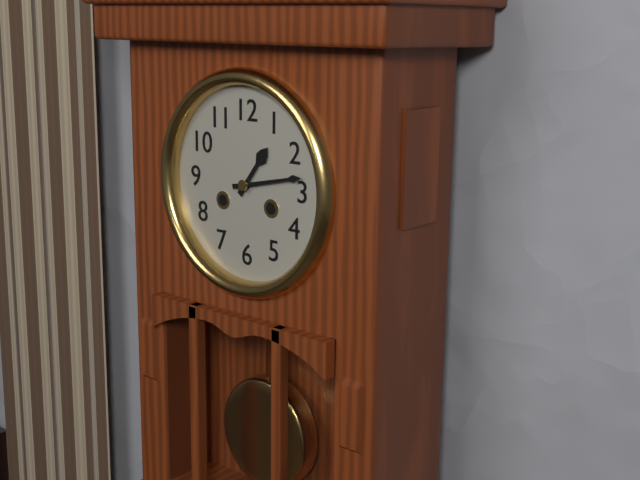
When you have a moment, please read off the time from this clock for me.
1:13
